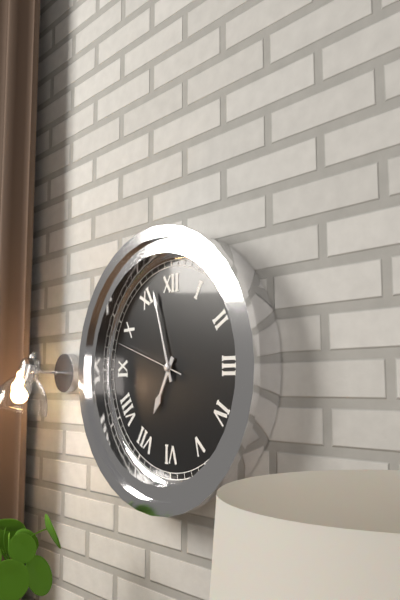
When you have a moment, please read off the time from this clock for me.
6:57:48
